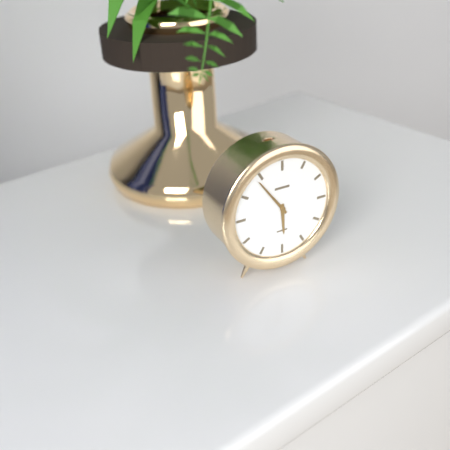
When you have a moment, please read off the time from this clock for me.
5:54
